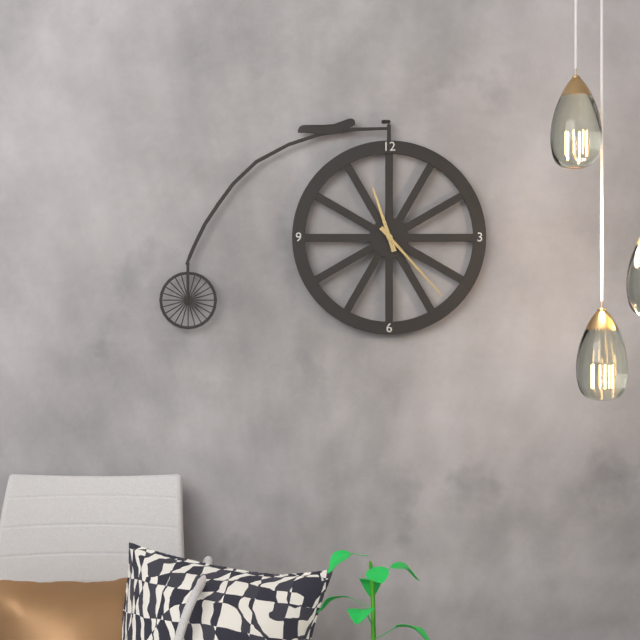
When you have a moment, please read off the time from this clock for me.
11:23
